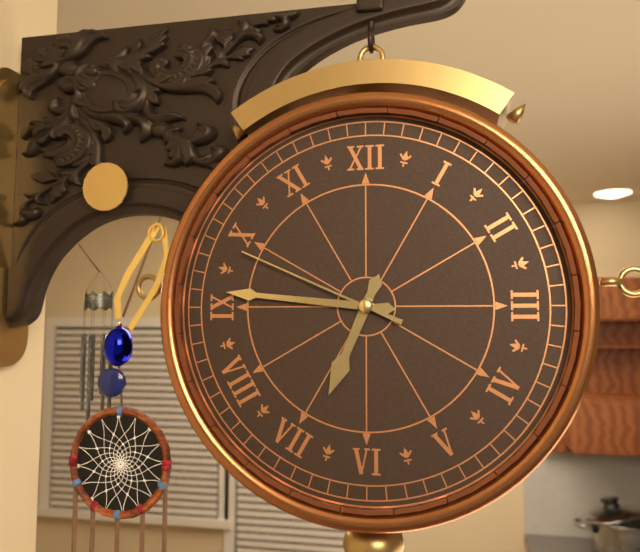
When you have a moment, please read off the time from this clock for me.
6:46:49
